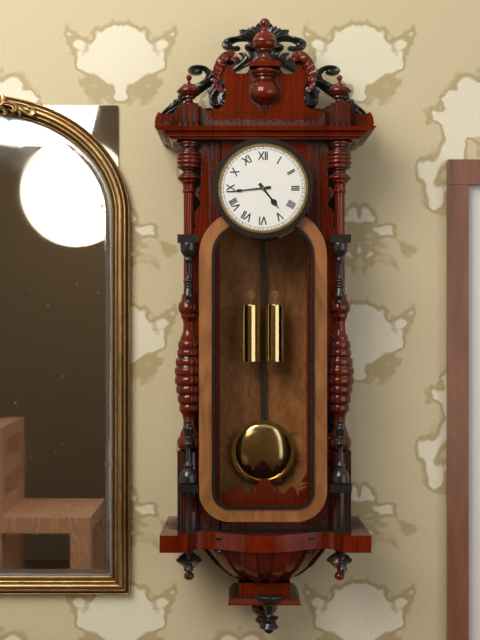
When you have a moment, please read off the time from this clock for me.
4:44
